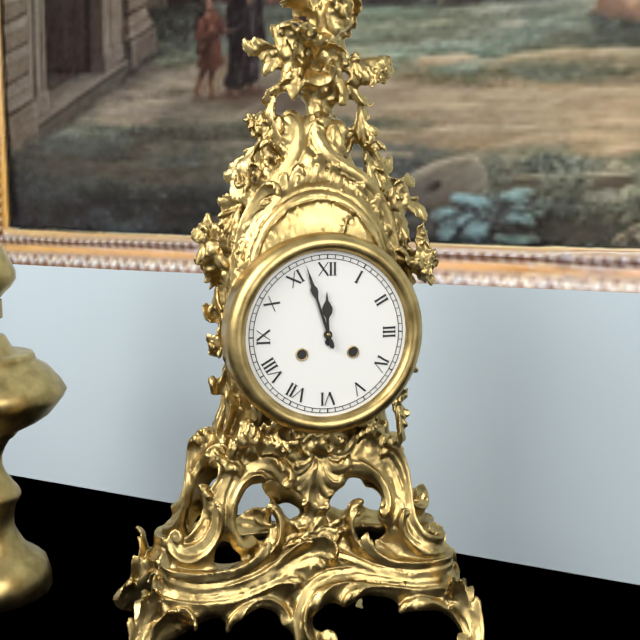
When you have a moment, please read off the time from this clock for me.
11:57
